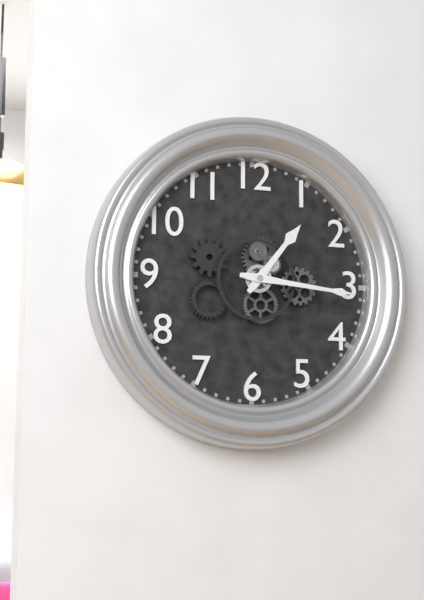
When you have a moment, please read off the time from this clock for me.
1:16
